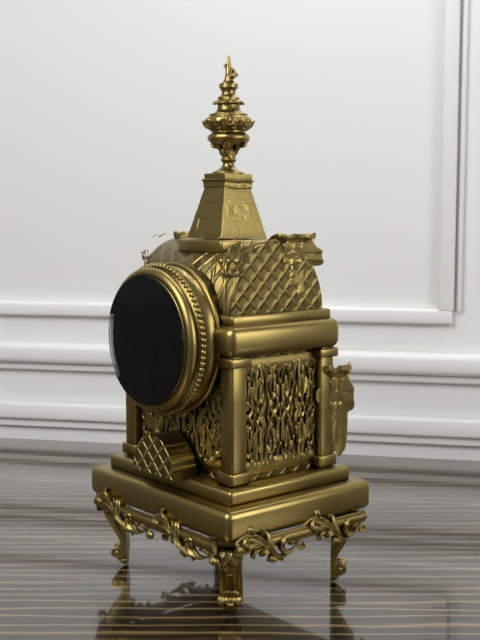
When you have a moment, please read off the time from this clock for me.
10:52
